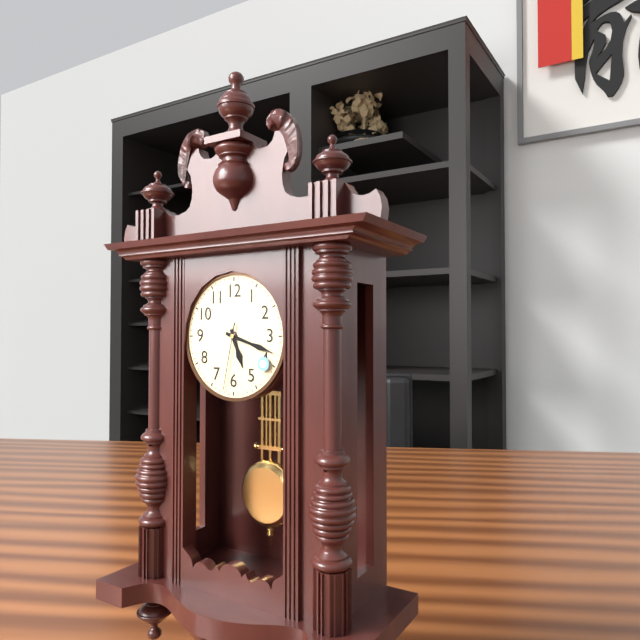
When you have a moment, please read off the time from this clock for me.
5:18:32
